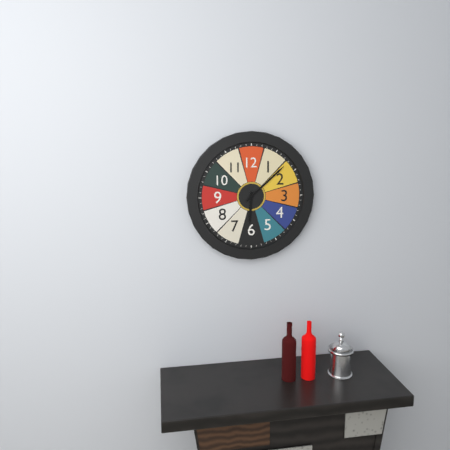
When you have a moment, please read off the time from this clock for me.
6:08
